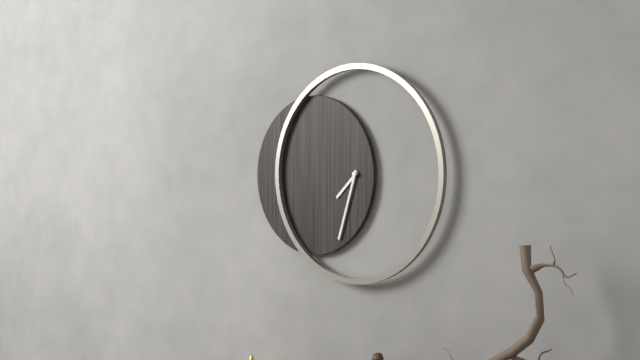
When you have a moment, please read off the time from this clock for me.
7:33
